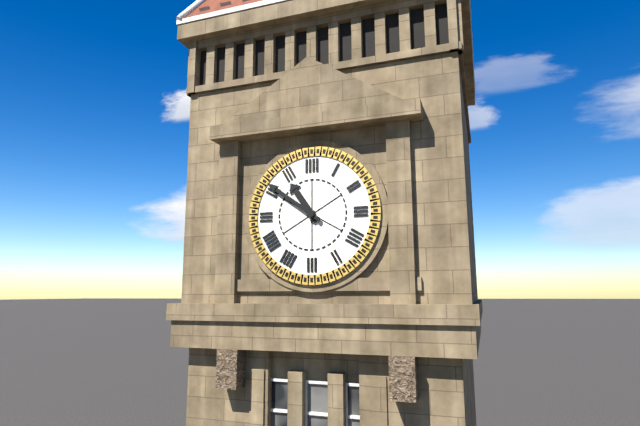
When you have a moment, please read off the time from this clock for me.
10:51
